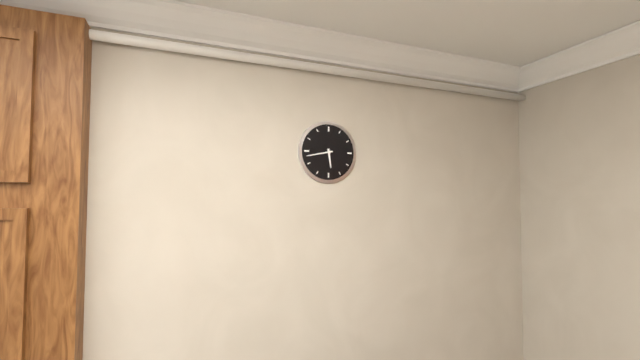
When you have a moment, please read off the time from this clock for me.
5:43
